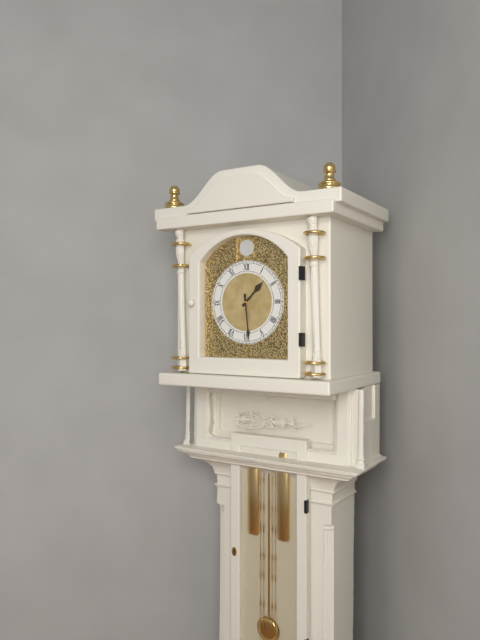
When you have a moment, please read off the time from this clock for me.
1:29
